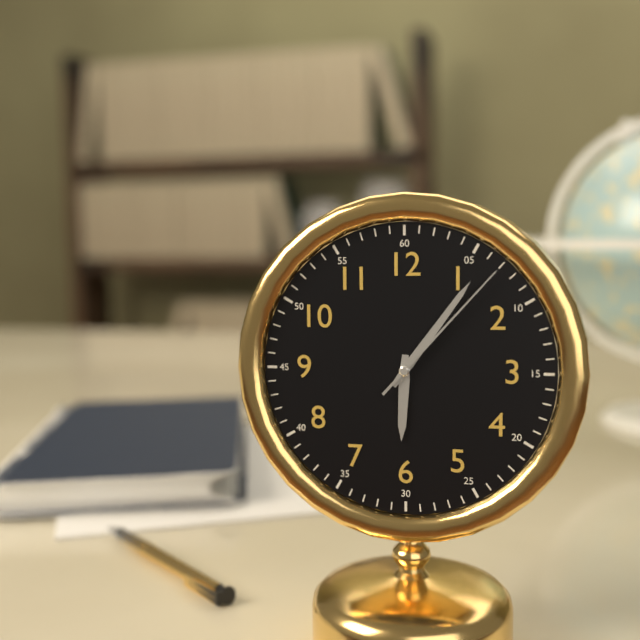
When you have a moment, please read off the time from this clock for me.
6:06:07
